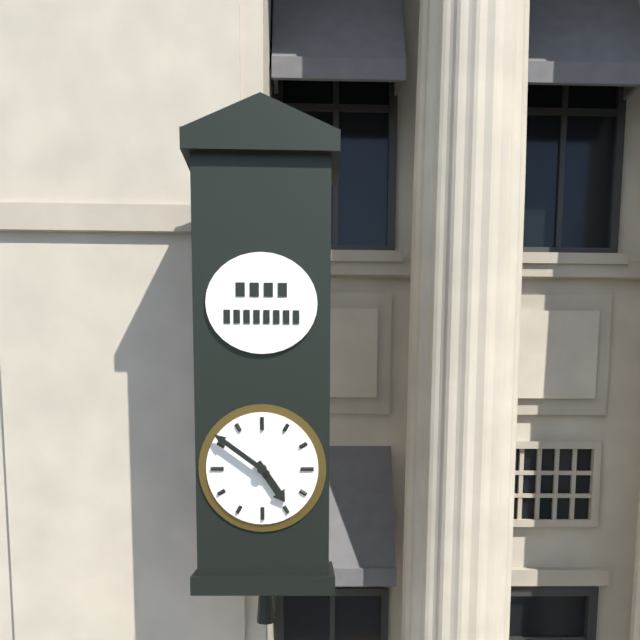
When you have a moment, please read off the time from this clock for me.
4:51
